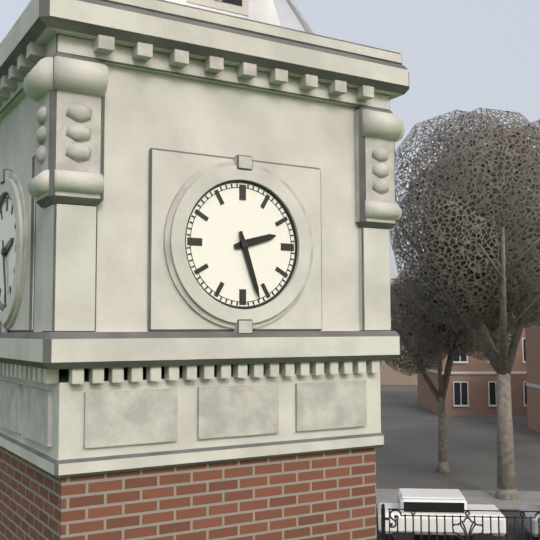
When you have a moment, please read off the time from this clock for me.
2:27
